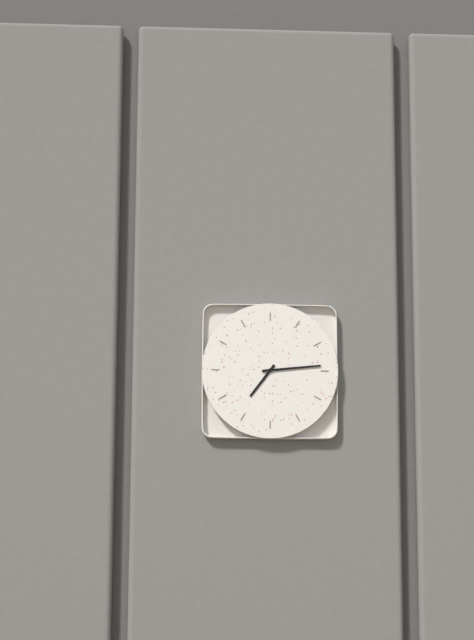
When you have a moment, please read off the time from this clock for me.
7:14
